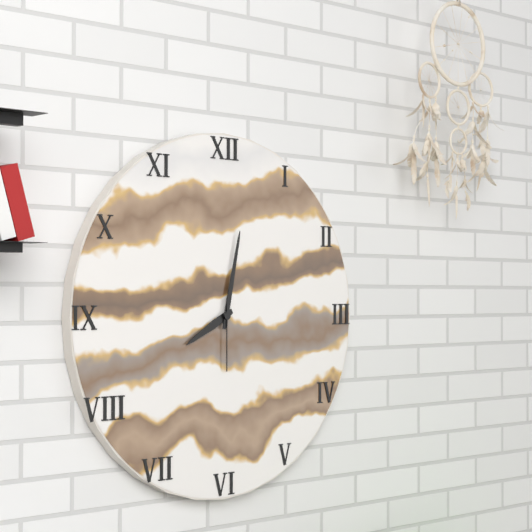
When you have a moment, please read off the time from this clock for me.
8:02:30
